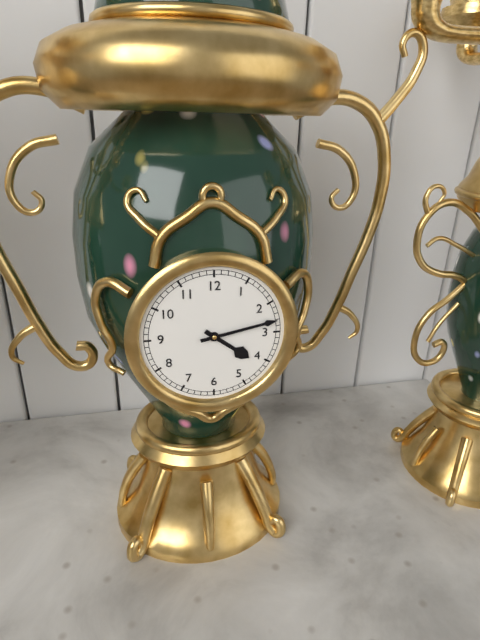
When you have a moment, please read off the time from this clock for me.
4:13
